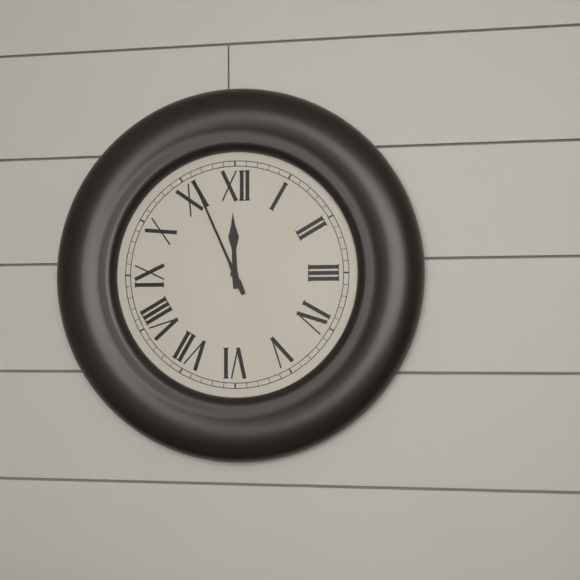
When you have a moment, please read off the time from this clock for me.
11:56
